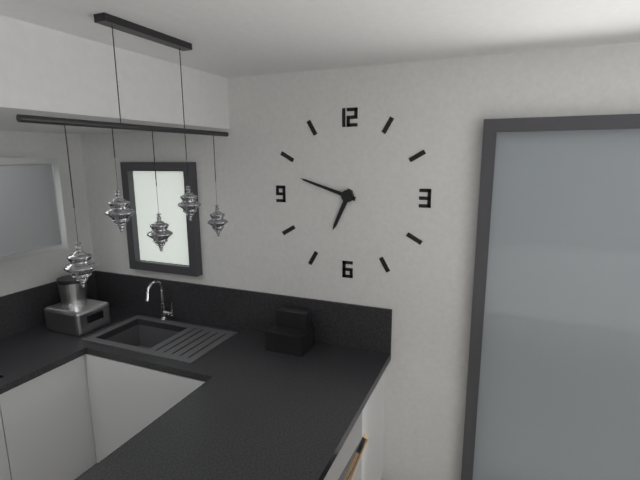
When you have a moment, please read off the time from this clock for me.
6:48
